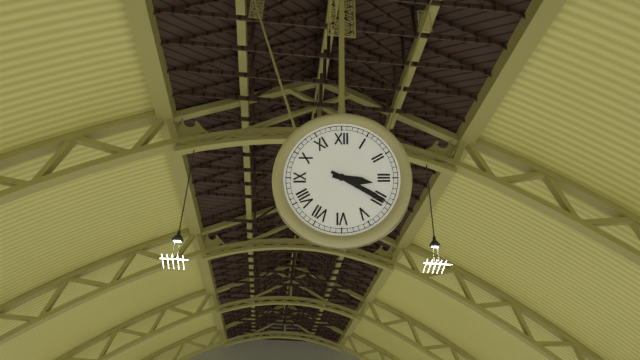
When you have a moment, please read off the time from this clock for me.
3:20
